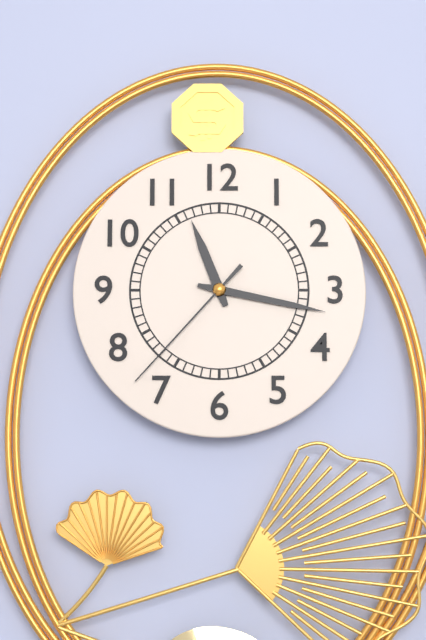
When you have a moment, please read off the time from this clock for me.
11:17:37
